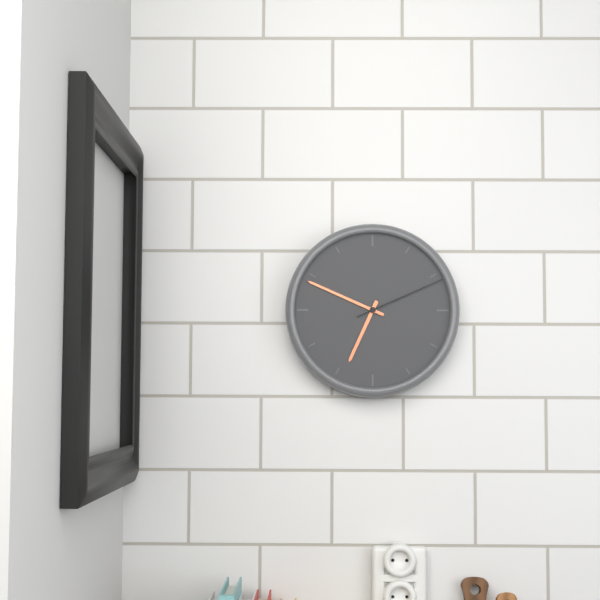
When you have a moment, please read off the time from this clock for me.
6:49:11
